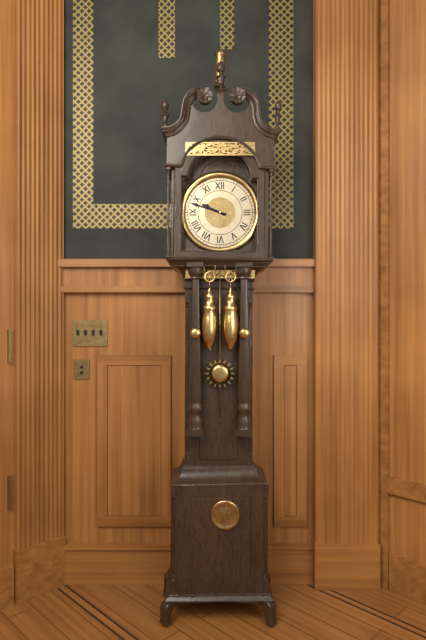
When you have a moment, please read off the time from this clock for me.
9:48
